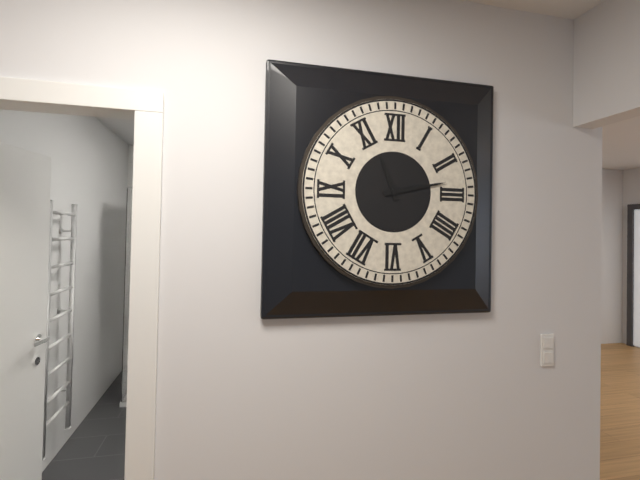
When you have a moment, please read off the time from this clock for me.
11:13
